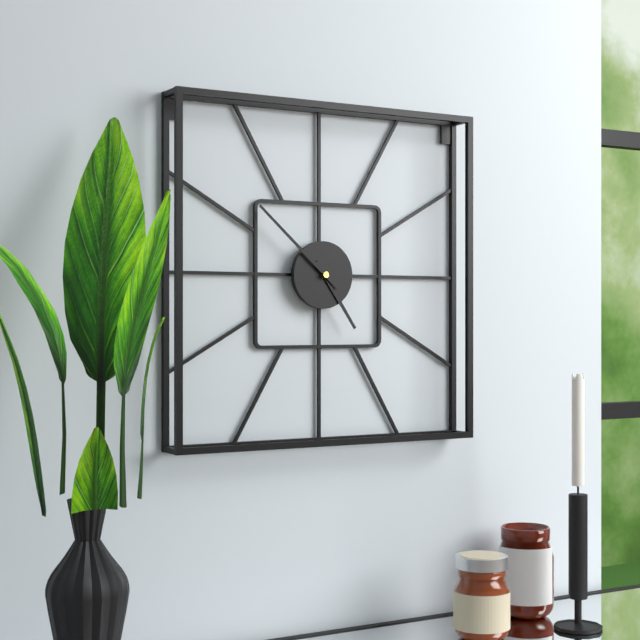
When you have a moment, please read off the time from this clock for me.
4:52
